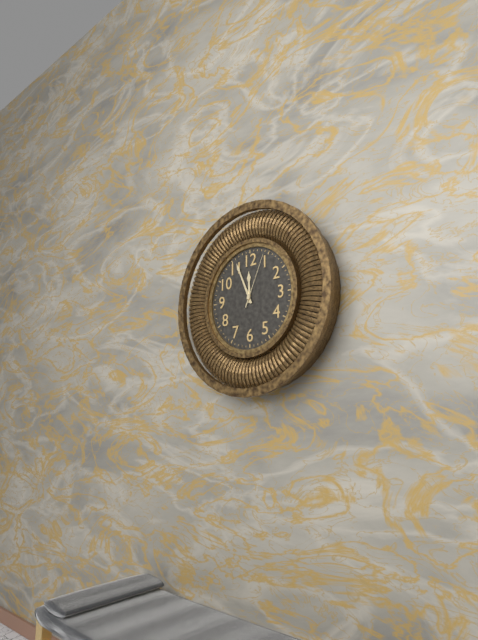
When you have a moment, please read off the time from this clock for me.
11:56:04
